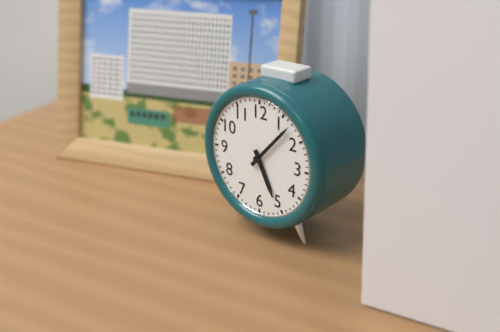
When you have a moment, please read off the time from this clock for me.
5:07
